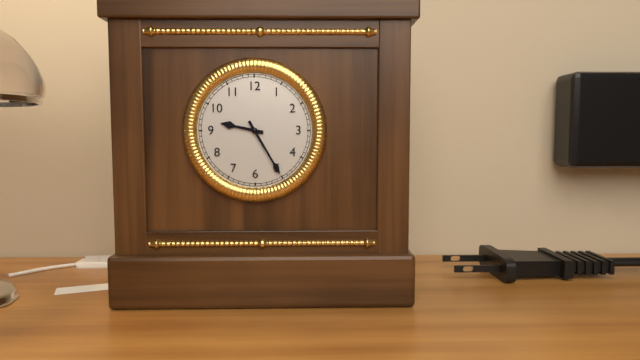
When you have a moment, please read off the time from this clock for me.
9:25
